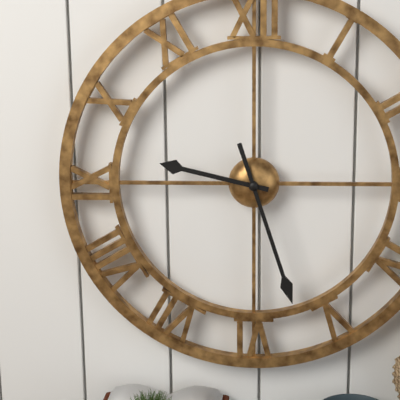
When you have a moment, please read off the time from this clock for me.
9:27
